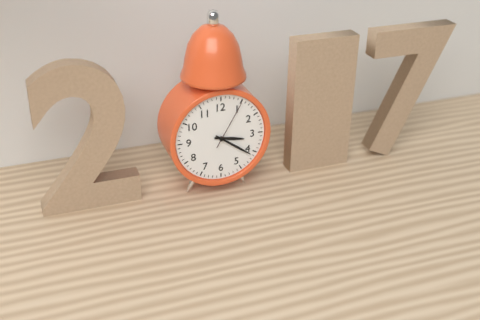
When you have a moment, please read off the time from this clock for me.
3:21:05
